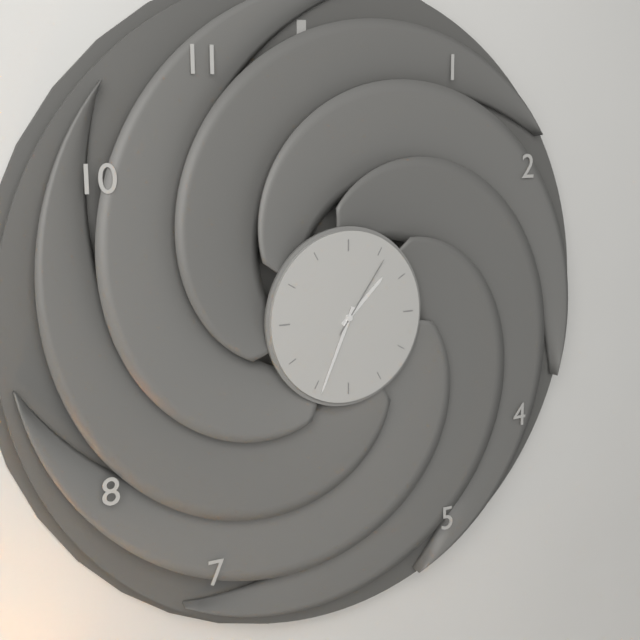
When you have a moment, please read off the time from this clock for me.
1:34:06
